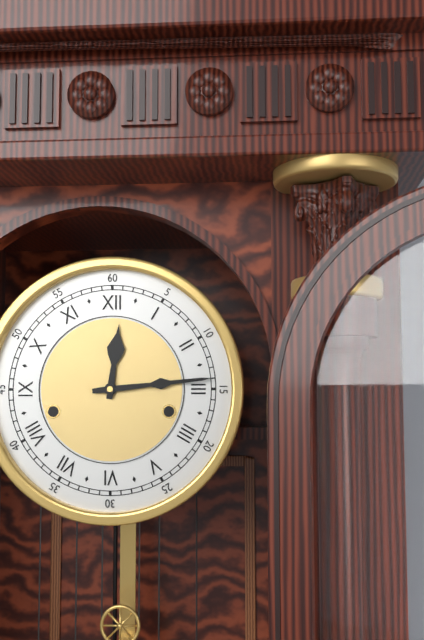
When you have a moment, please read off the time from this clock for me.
12:14
